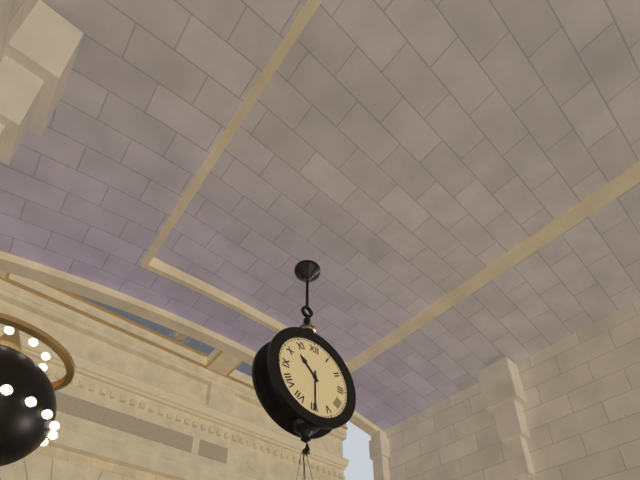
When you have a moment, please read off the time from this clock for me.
10:30
